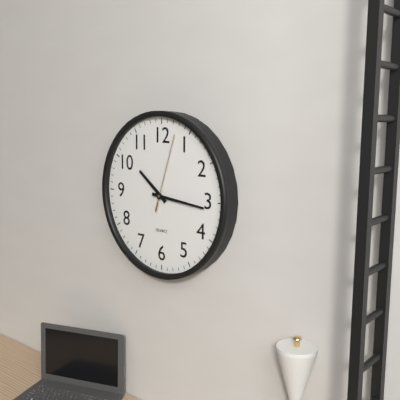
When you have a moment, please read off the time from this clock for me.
10:16:03
